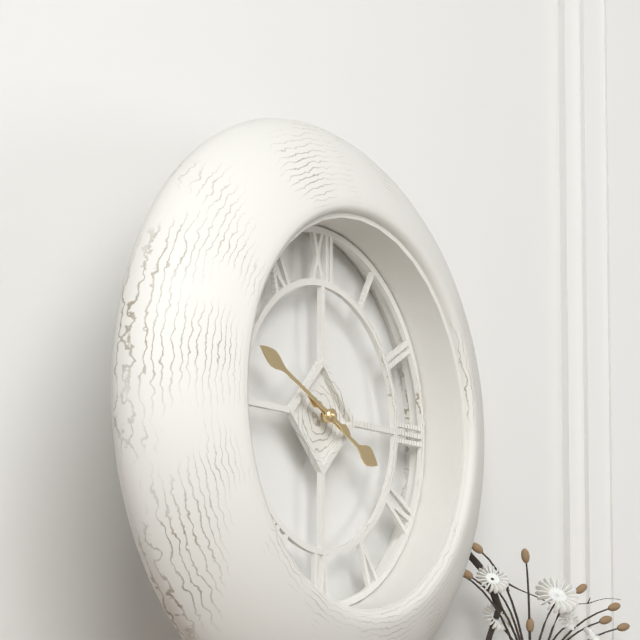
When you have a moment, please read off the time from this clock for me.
3:49
